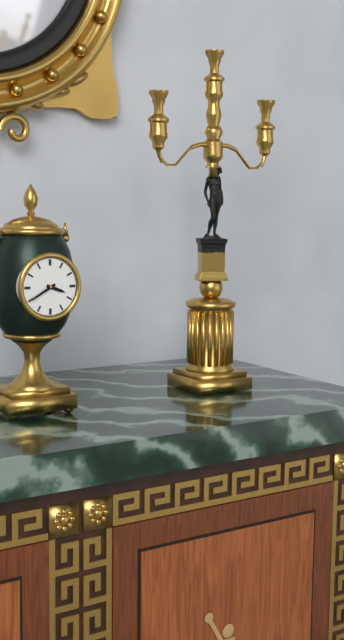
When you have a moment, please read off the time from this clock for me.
3:40
